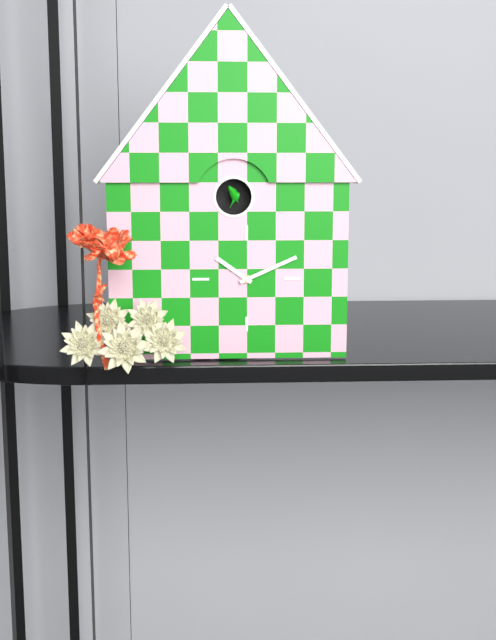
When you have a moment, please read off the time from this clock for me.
10:11
